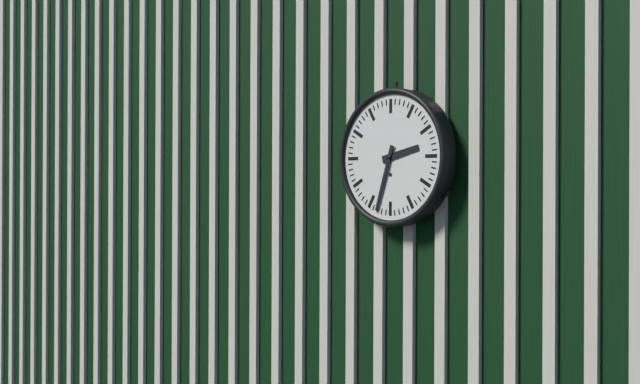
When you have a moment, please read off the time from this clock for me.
2:33
